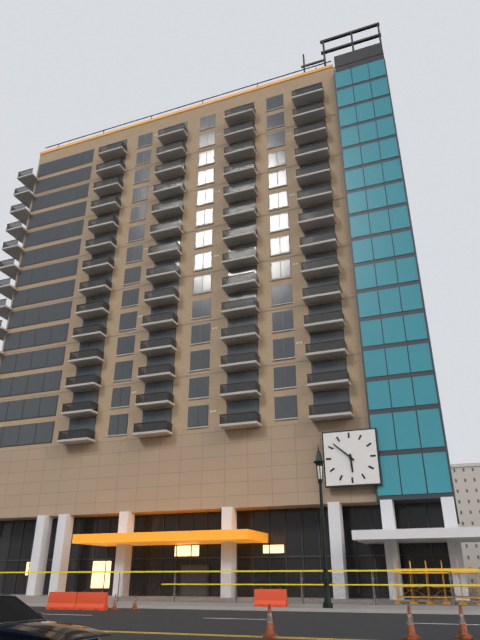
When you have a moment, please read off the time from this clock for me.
5:52
